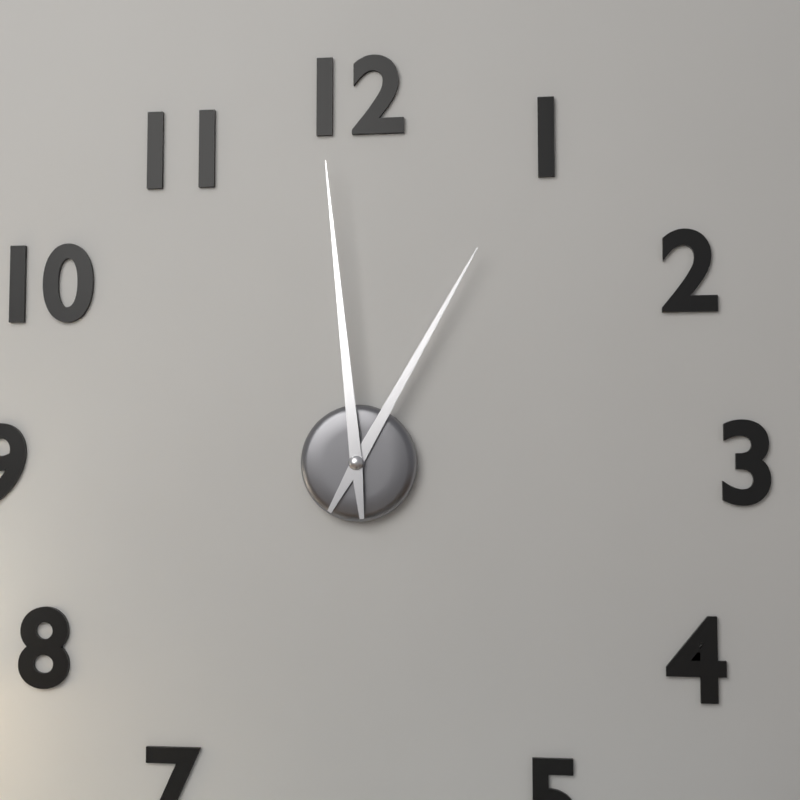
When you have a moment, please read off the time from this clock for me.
12:59
